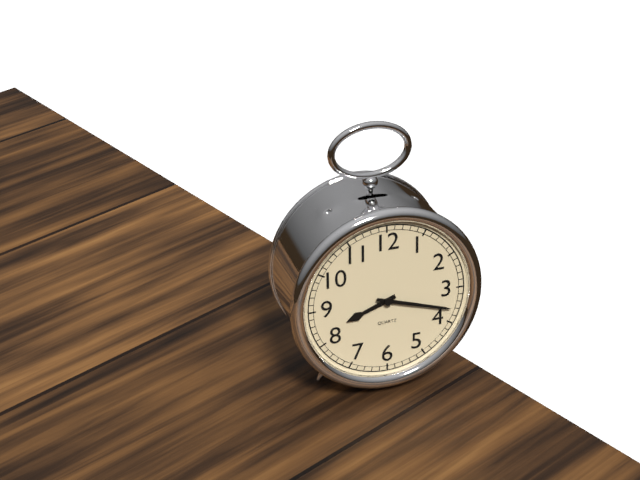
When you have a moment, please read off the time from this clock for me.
8:18
